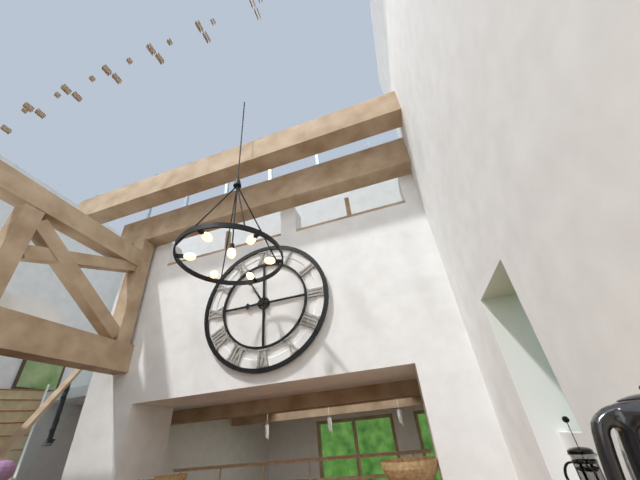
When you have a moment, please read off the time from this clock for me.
8:55
